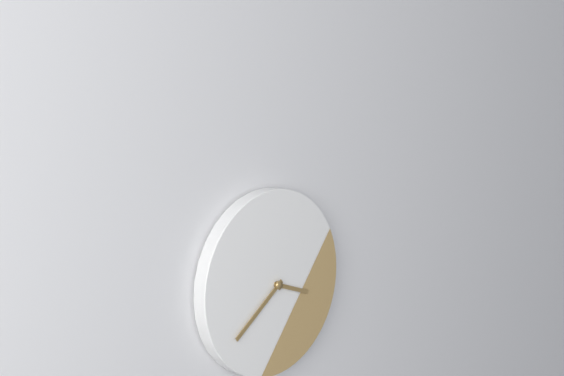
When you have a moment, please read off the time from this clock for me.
3:39
